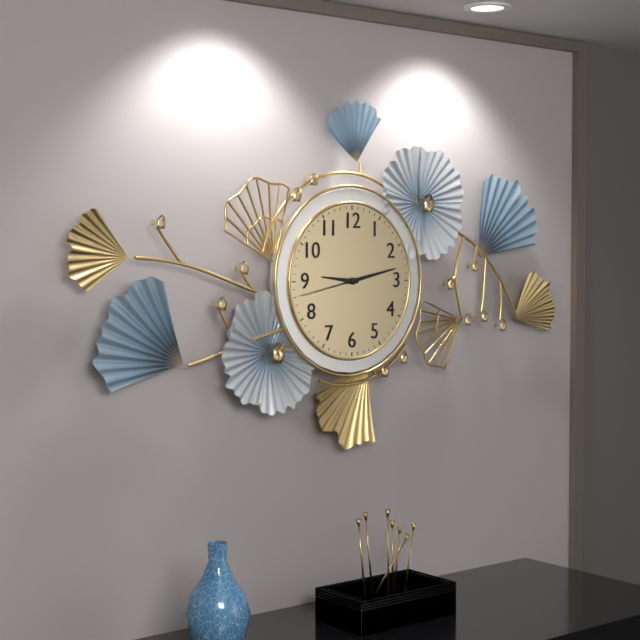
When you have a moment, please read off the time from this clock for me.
9:13:43
